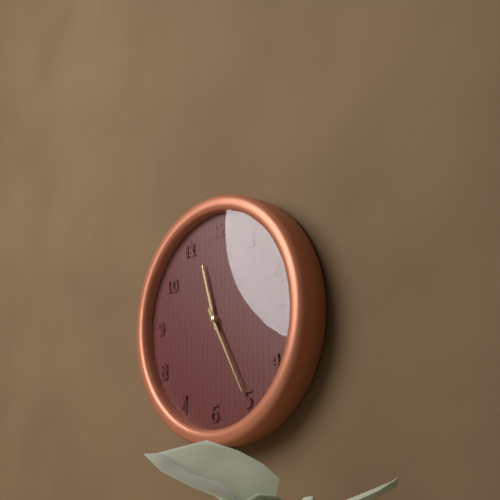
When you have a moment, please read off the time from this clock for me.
11:25
